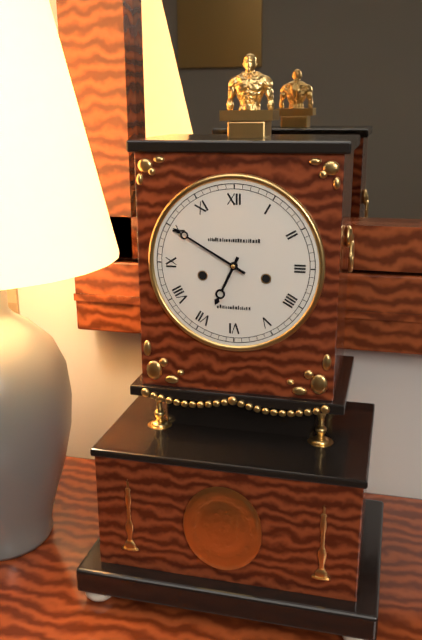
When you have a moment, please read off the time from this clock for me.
6:50
